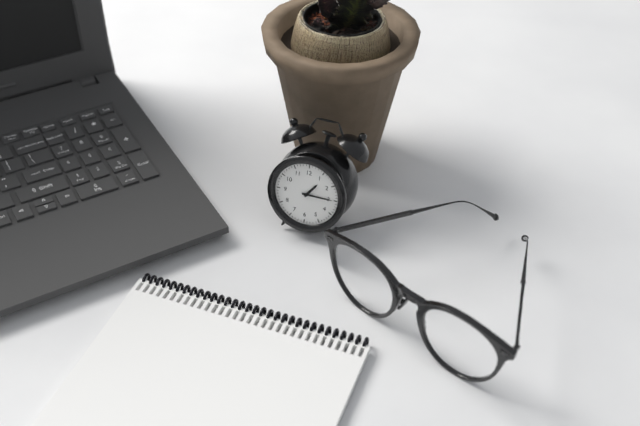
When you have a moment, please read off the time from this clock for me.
1:15
